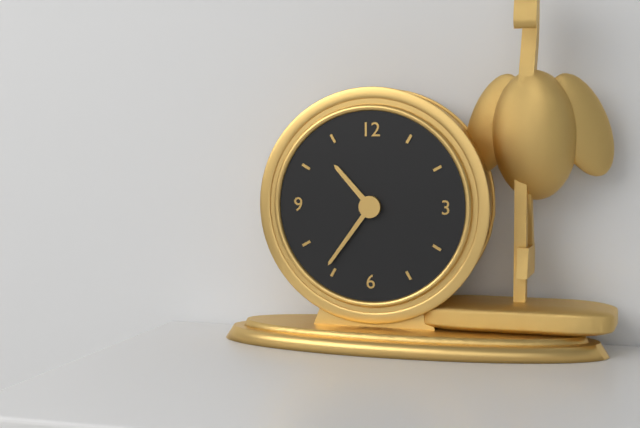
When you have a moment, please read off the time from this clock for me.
10:36
